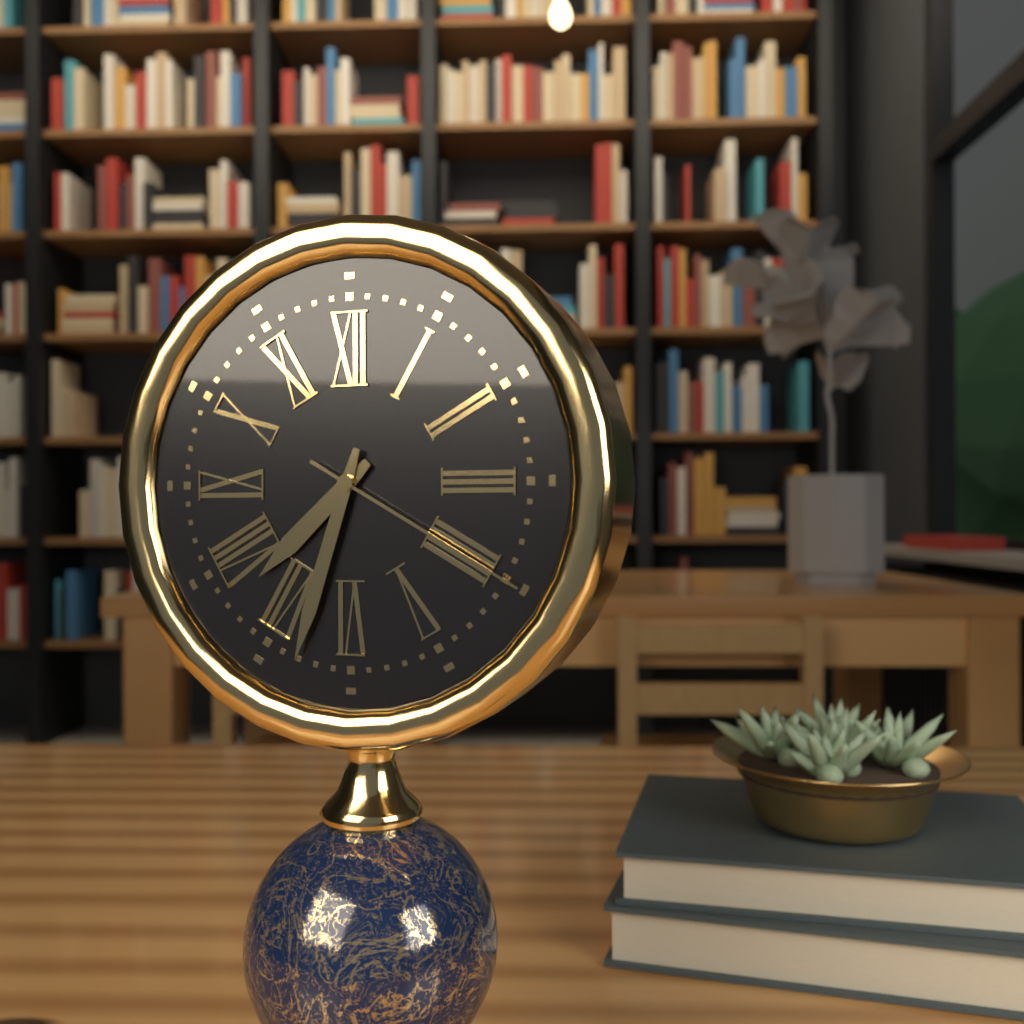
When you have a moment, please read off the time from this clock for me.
7:33:20
